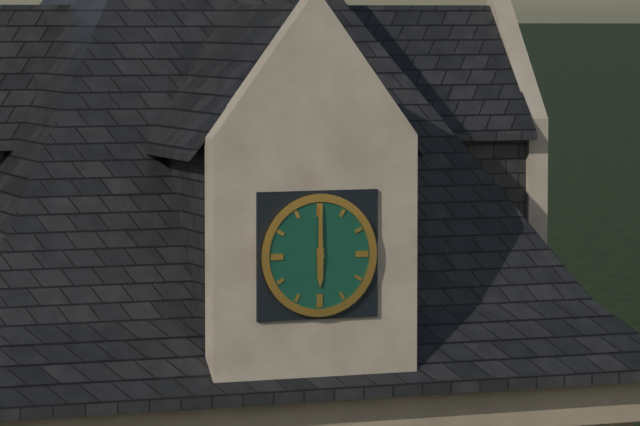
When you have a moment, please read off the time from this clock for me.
6:00
